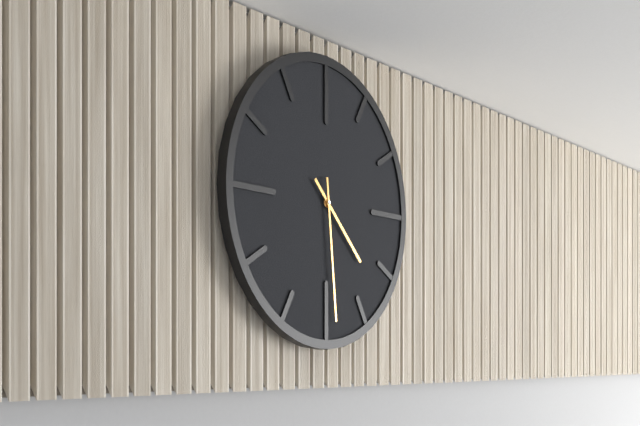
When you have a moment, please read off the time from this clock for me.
4:29
